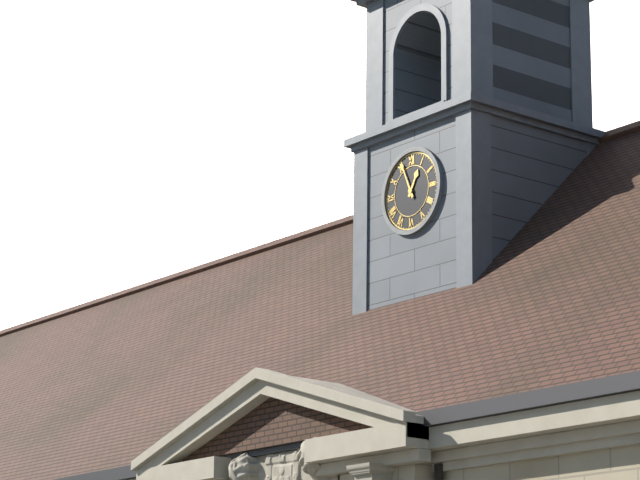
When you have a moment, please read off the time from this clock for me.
12:56
